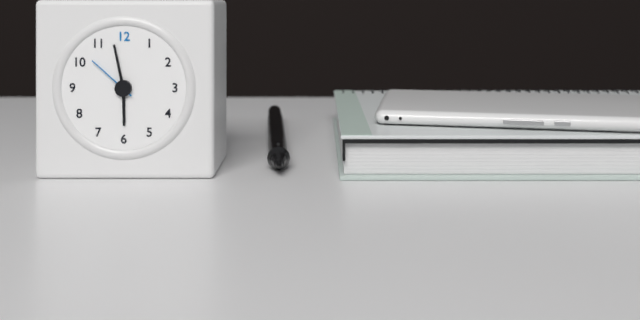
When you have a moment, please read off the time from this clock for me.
5:58:52
